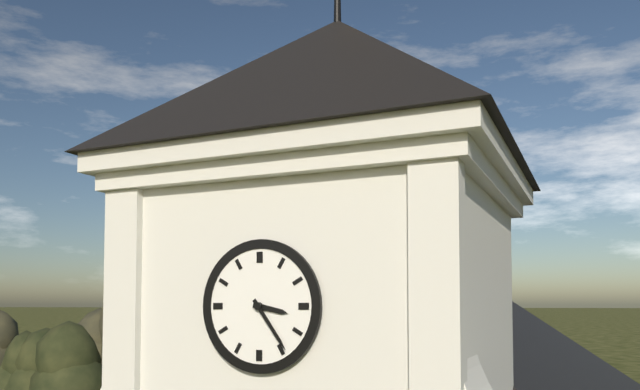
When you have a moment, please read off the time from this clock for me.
3:24
